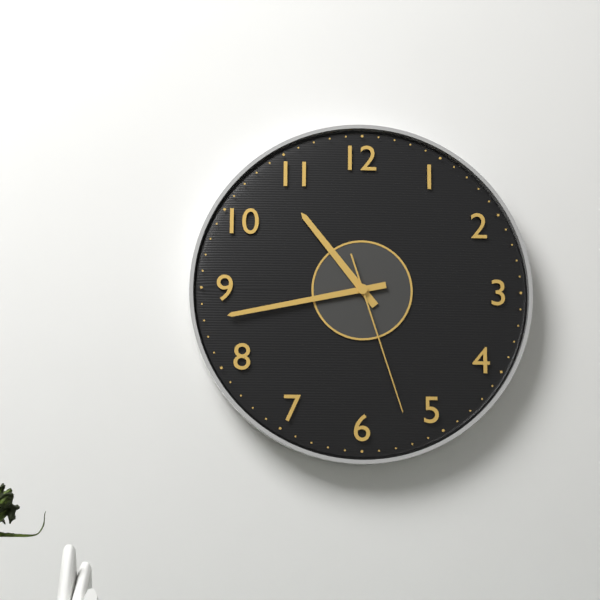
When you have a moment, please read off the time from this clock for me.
10:43:27
